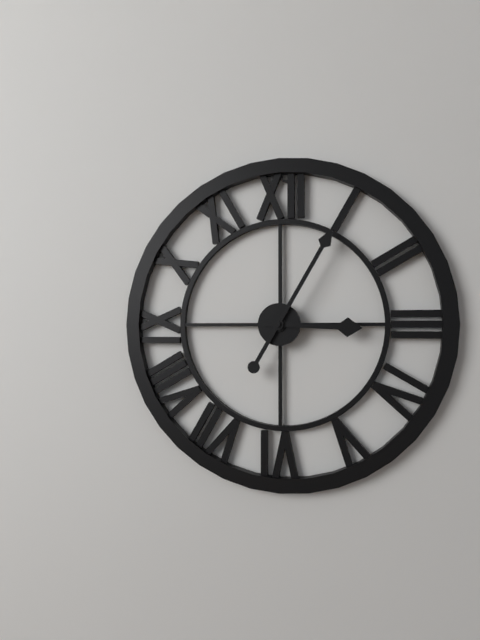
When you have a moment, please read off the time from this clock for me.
3:05
